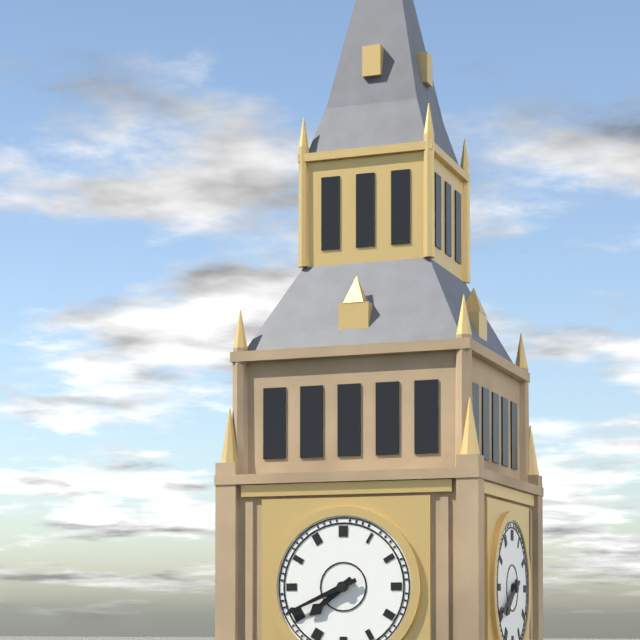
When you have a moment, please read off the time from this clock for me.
7:41
